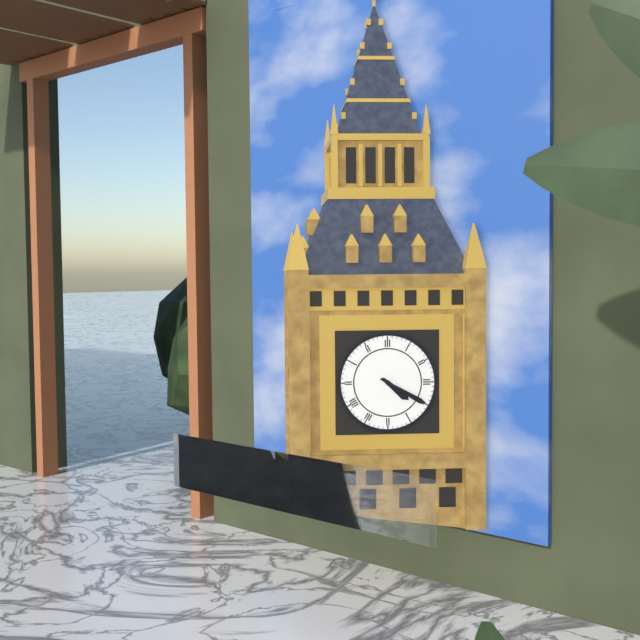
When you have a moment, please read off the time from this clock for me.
4:20
